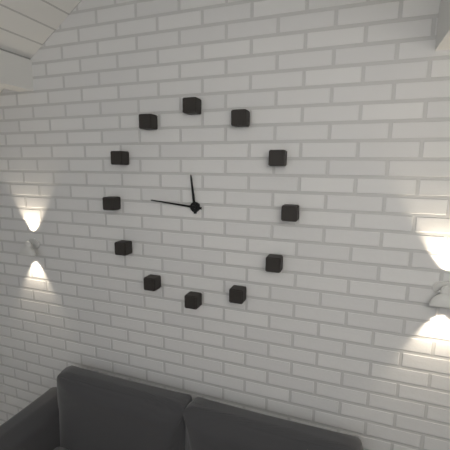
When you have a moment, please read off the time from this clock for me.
11:46
